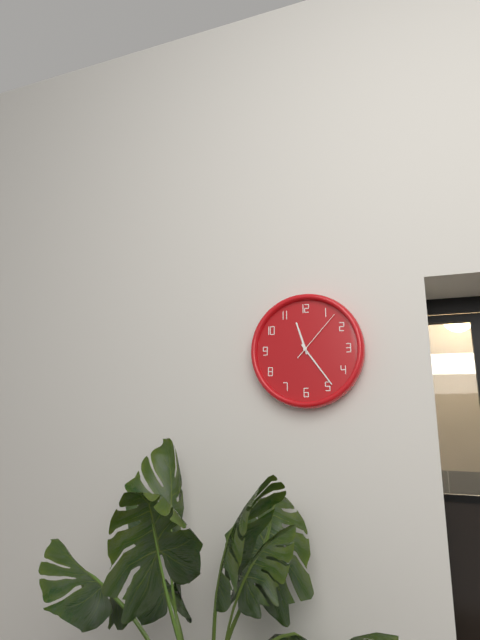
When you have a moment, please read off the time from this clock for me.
11:24:07
